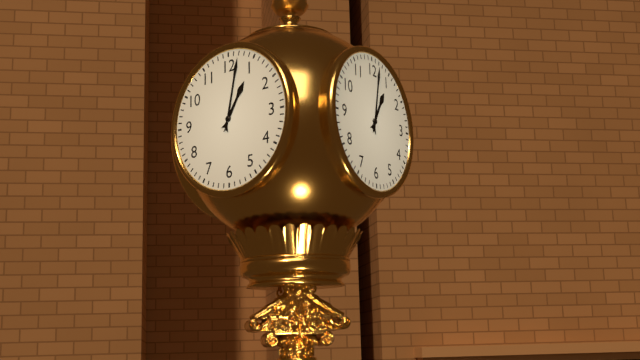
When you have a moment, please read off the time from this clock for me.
1:02
